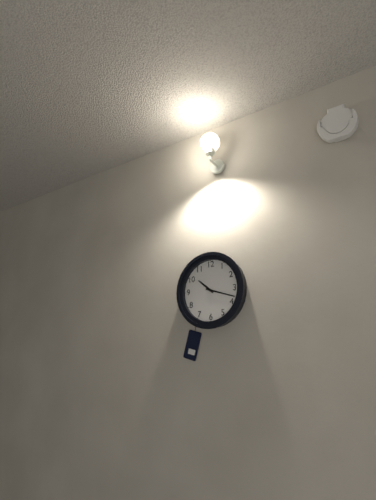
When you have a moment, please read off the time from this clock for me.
10:18
